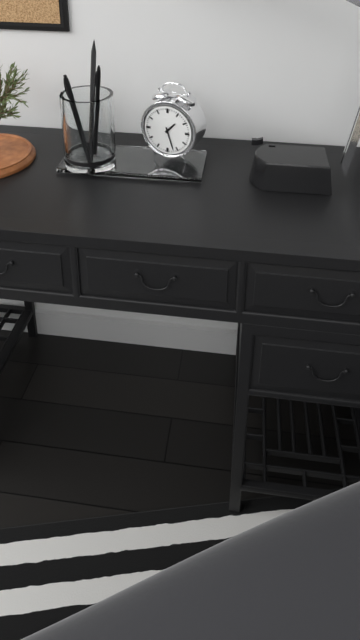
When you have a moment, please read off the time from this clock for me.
1:27
